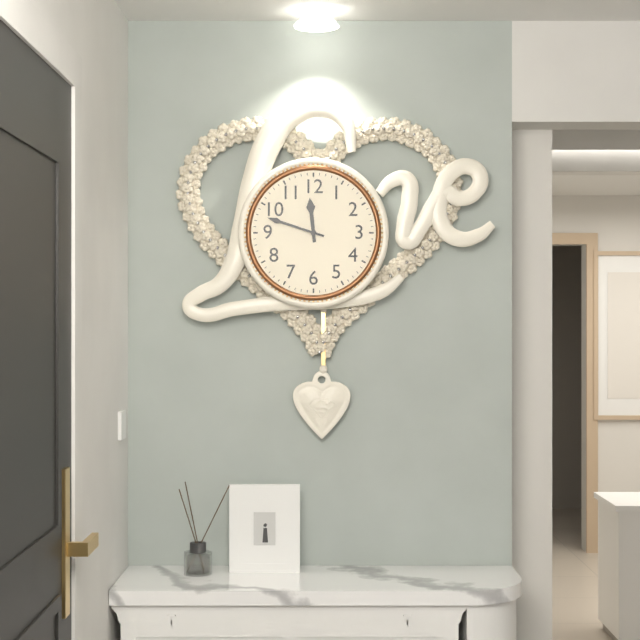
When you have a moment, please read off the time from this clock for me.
11:48
